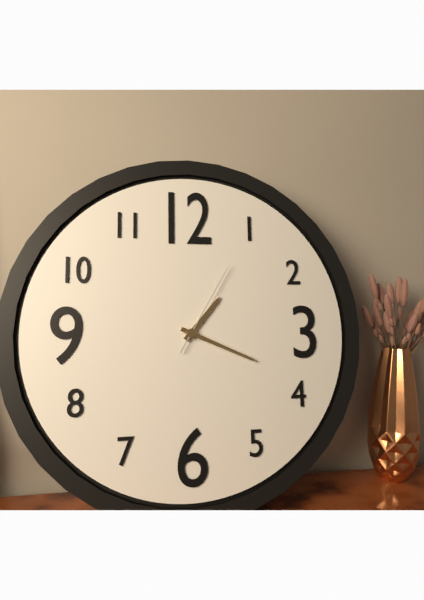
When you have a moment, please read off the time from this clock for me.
1:19:05
